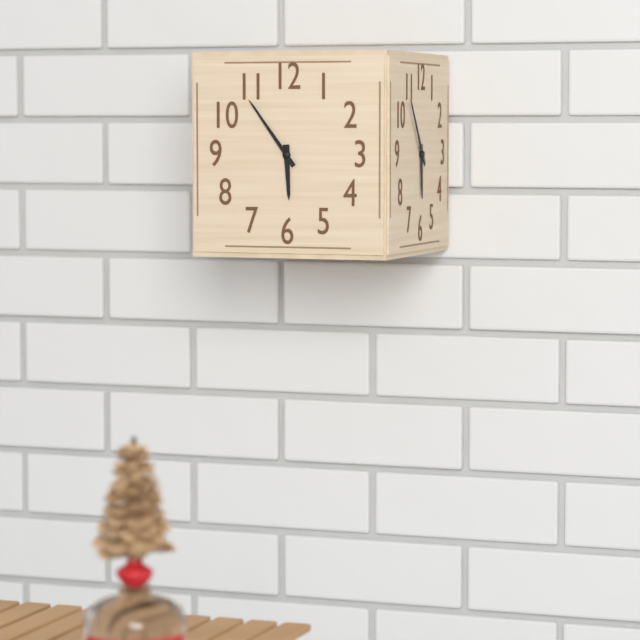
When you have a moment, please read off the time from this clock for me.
5:54
